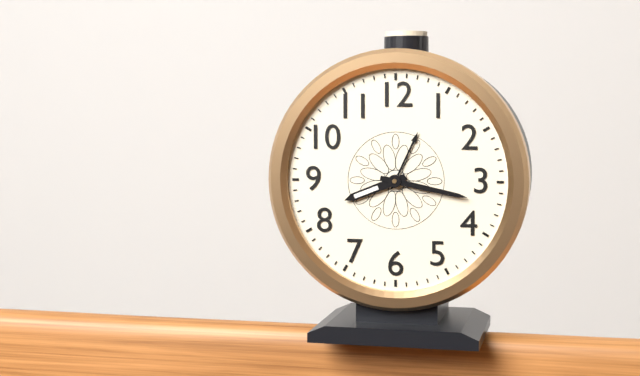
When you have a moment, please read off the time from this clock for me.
8:17
